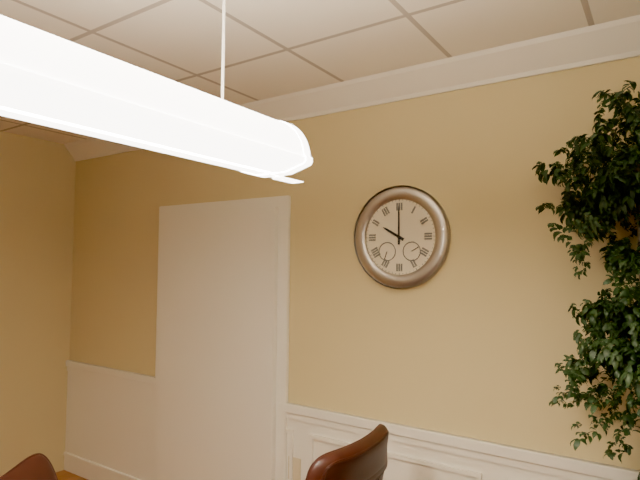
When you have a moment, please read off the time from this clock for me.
10:00
